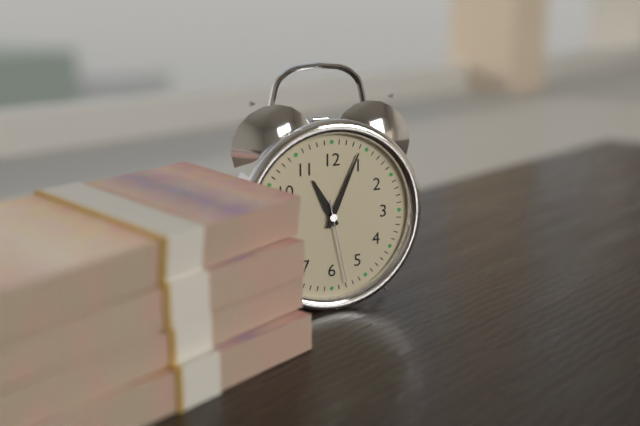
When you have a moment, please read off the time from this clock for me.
11:04:28
